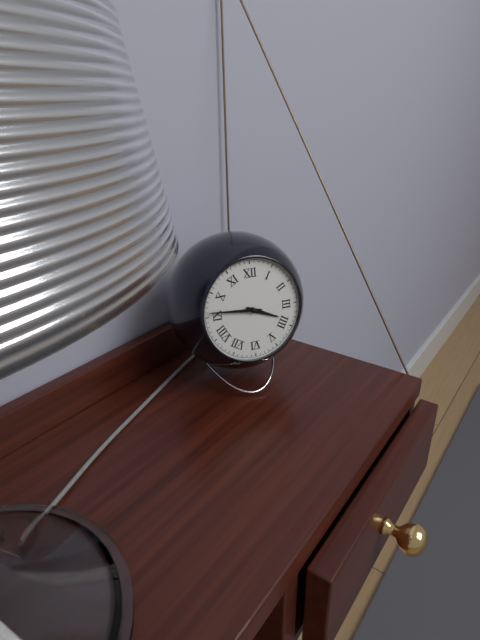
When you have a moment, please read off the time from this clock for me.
3:46
